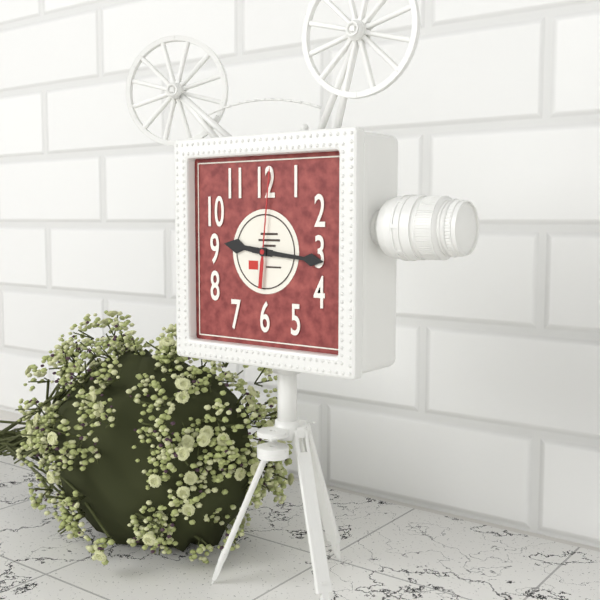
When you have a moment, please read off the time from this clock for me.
9:16:01
